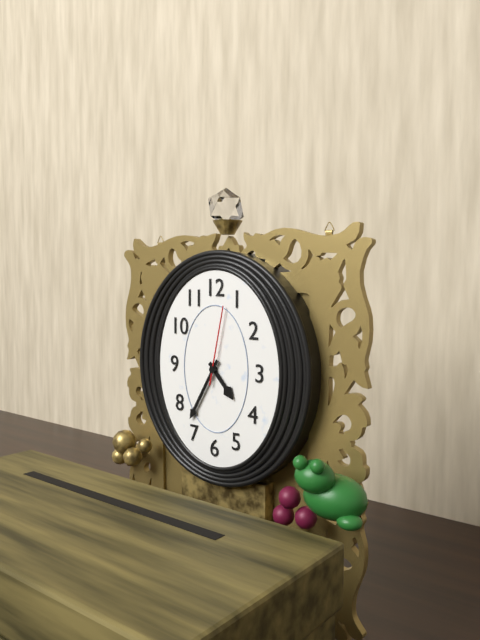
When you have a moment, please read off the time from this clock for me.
4:35:02
